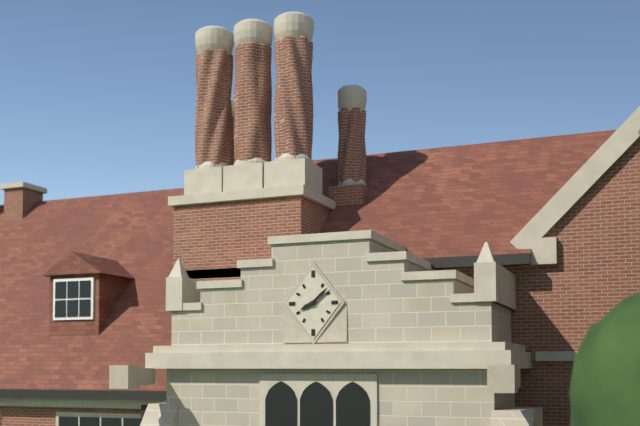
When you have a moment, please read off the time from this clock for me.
8:08
